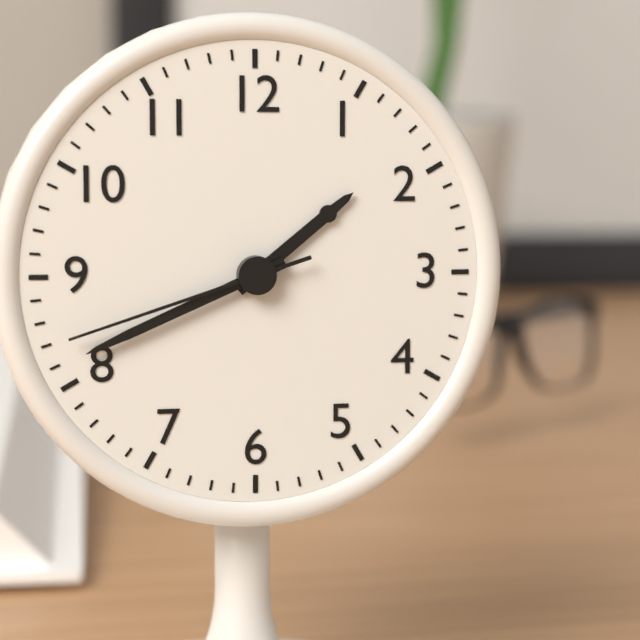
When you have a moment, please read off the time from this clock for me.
1:41:42
